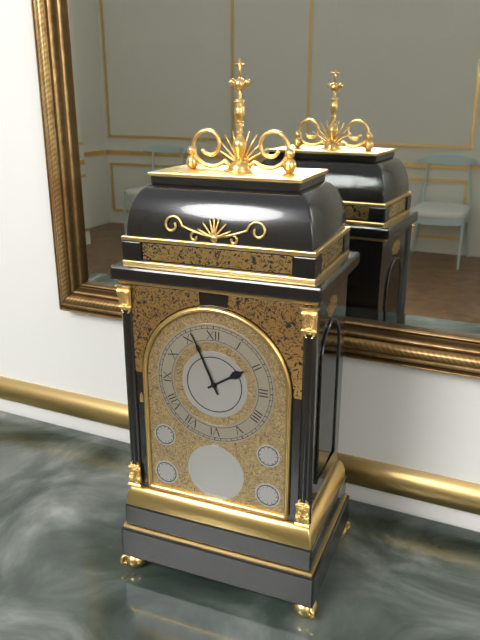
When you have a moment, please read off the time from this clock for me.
1:56
